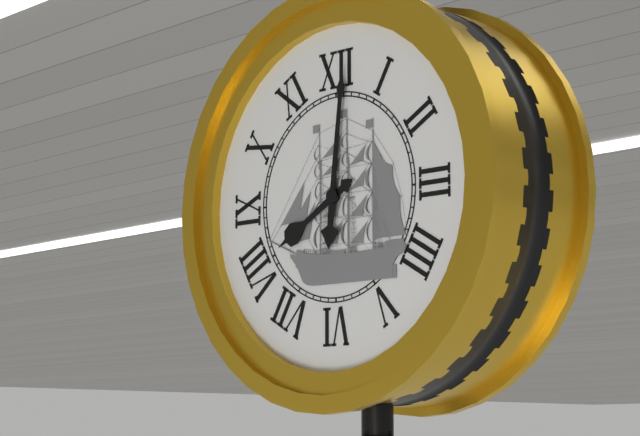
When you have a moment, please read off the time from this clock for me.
8:01
